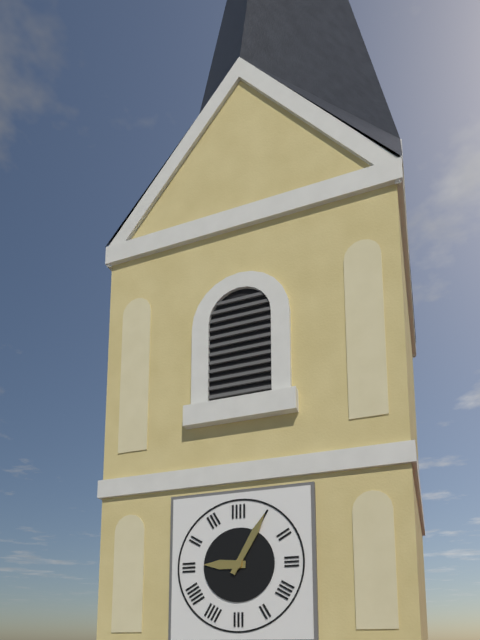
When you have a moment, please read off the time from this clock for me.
9:05
